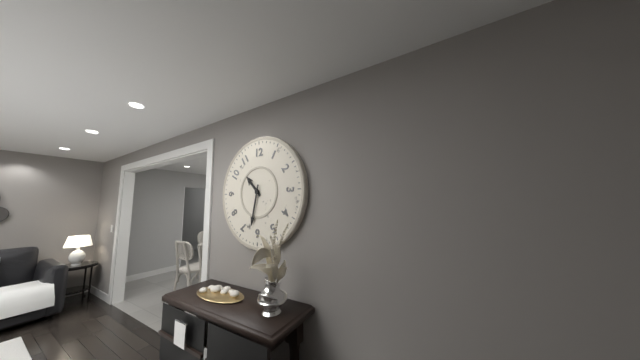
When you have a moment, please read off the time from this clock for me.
10:32
